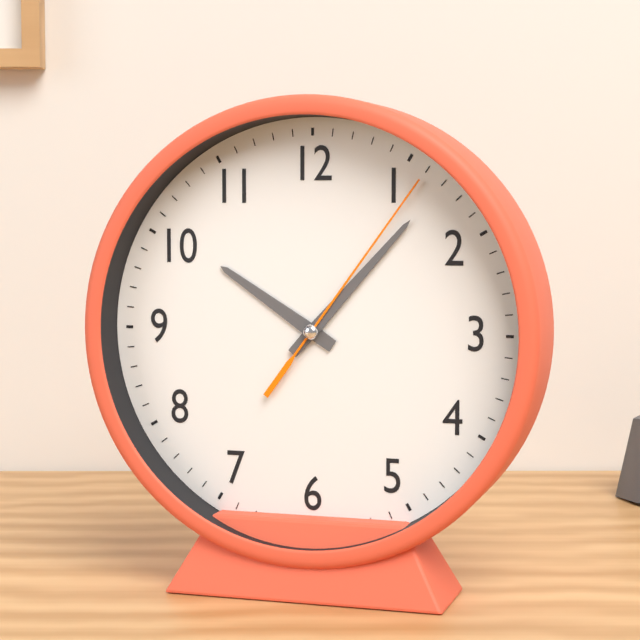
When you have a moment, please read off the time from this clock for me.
10:07:06
